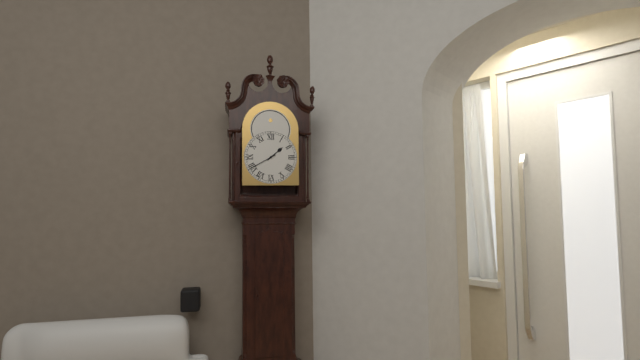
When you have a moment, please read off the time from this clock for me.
1:40
